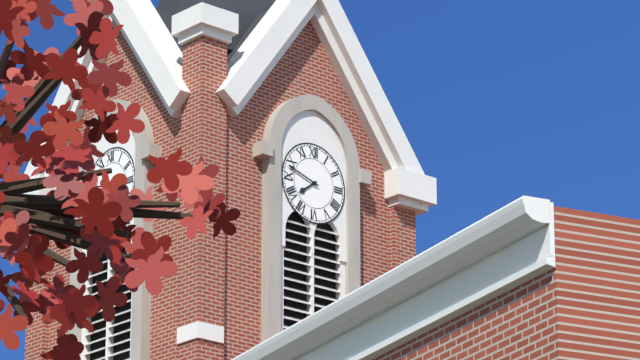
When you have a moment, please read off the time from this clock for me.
7:48
